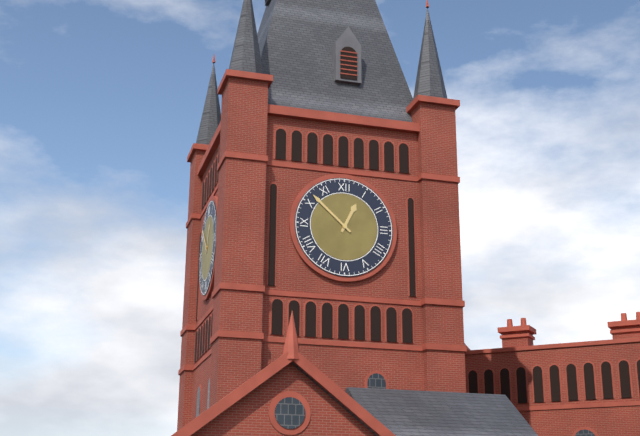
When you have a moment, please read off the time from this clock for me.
12:52
